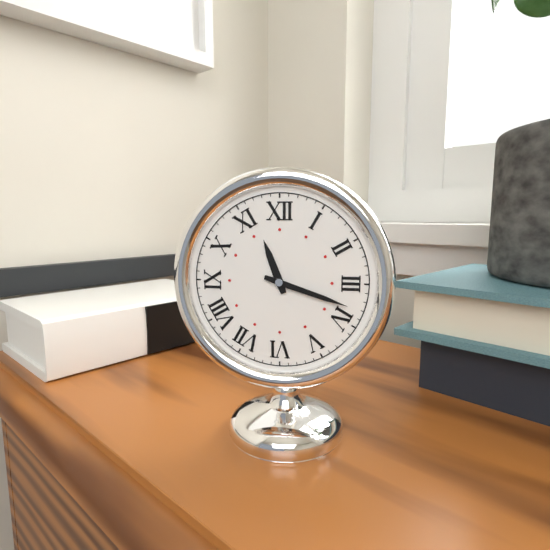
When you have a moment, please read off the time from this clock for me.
11:18
